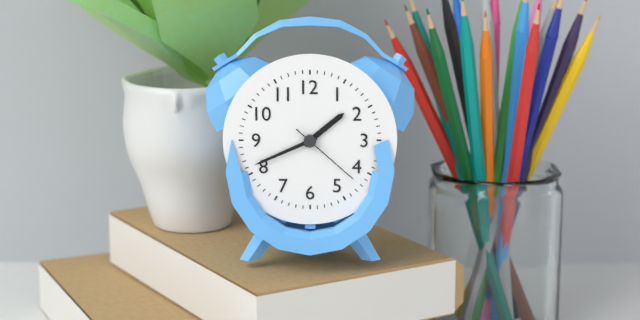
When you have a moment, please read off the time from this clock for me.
1:41:22
